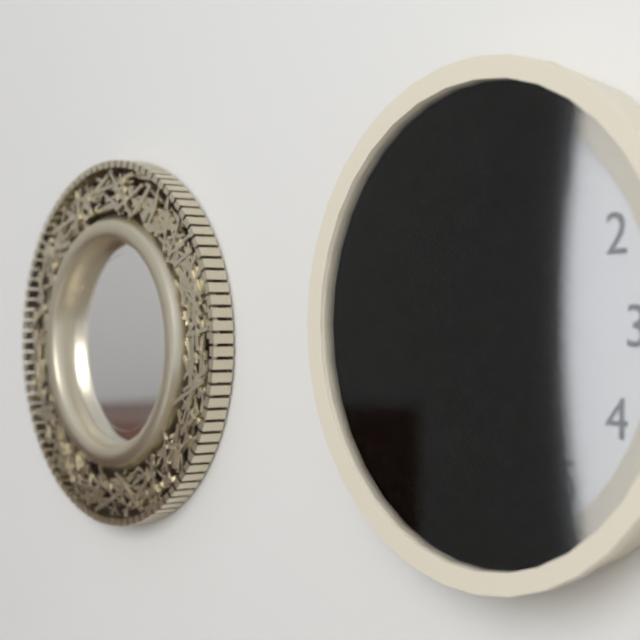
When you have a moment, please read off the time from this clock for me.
8:42:47
